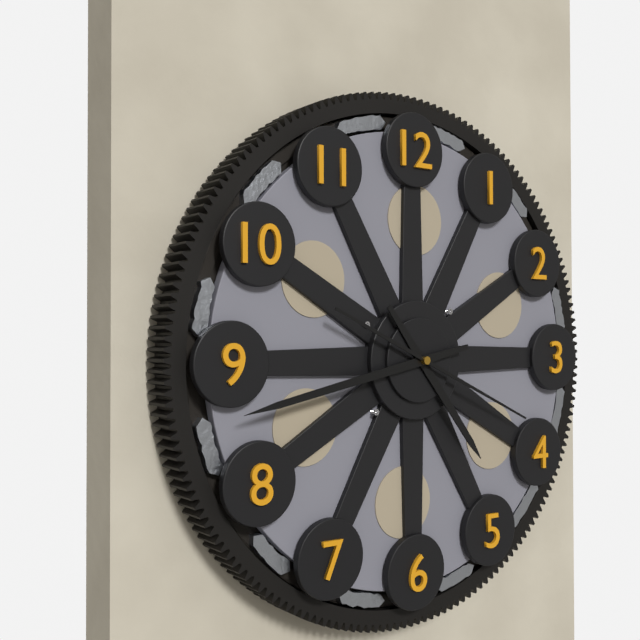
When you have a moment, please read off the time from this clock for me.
4:43:19
